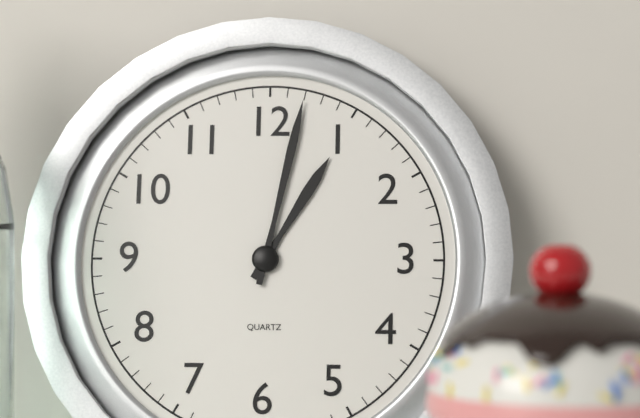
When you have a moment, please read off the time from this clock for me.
1:02
